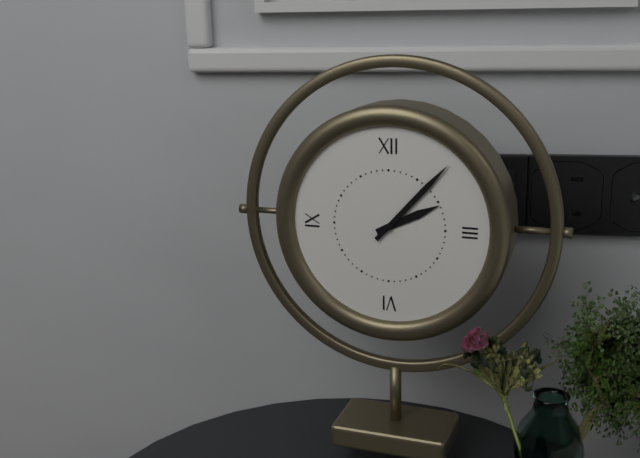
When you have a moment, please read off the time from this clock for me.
2:07
